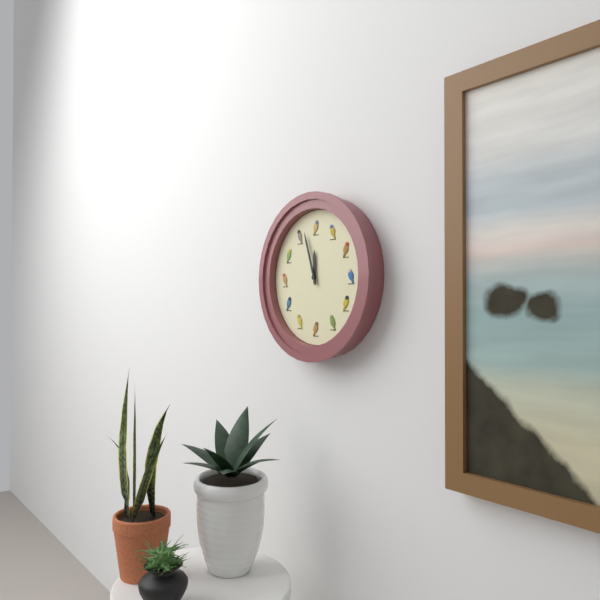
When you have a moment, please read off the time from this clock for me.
11:57
